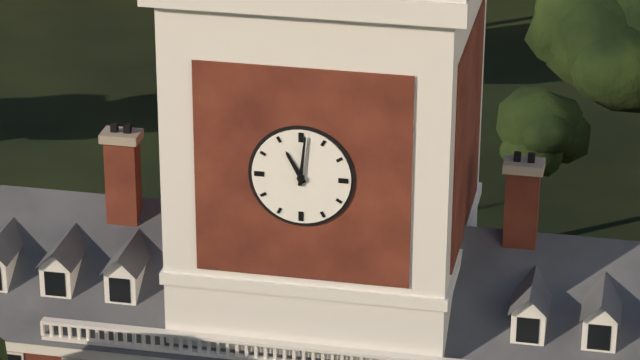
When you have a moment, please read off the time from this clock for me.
11:01
